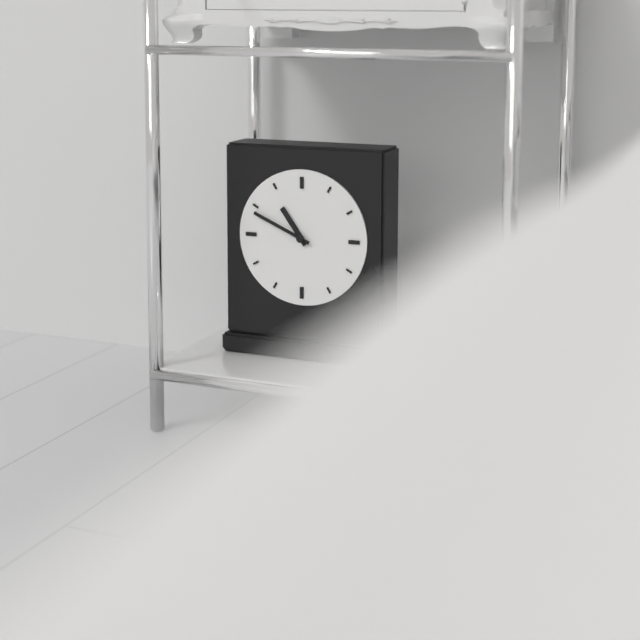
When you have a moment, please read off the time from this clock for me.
10:49
